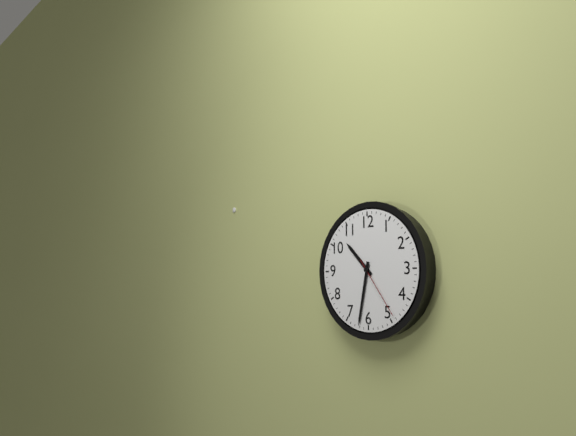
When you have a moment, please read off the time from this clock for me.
10:32:24
